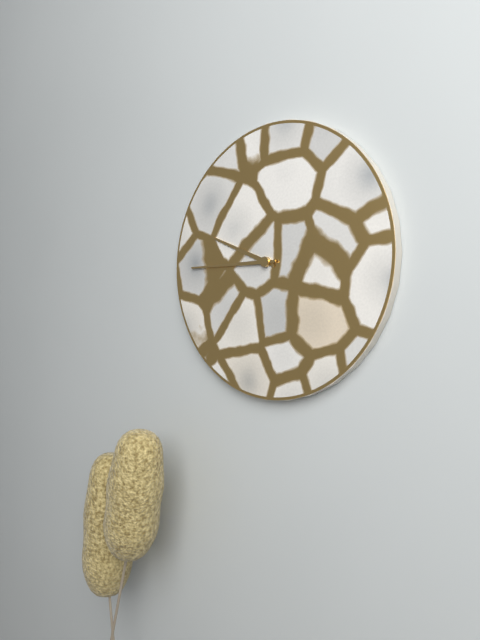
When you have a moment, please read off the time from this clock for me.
9:45
